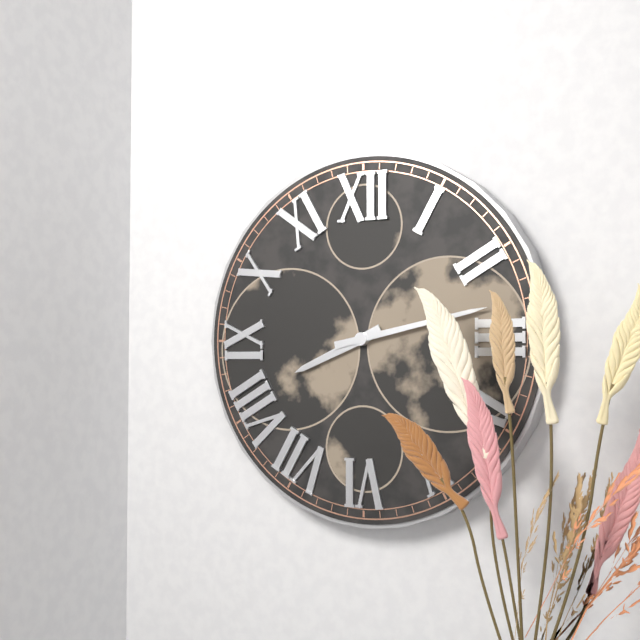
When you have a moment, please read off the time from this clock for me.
8:13
